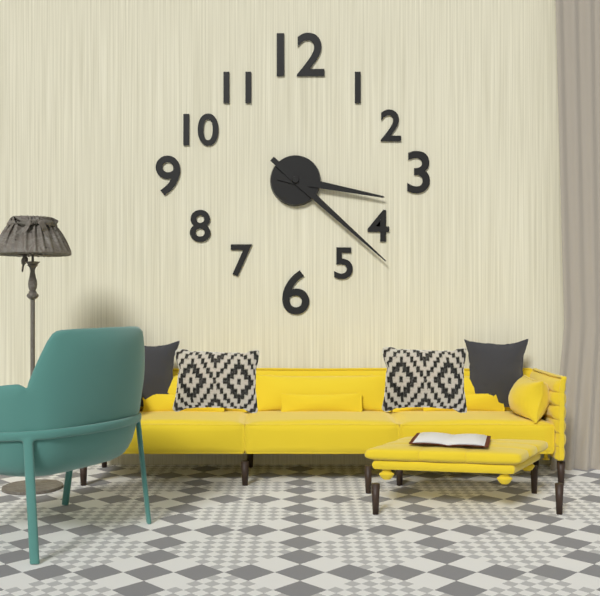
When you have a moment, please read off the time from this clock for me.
3:22
